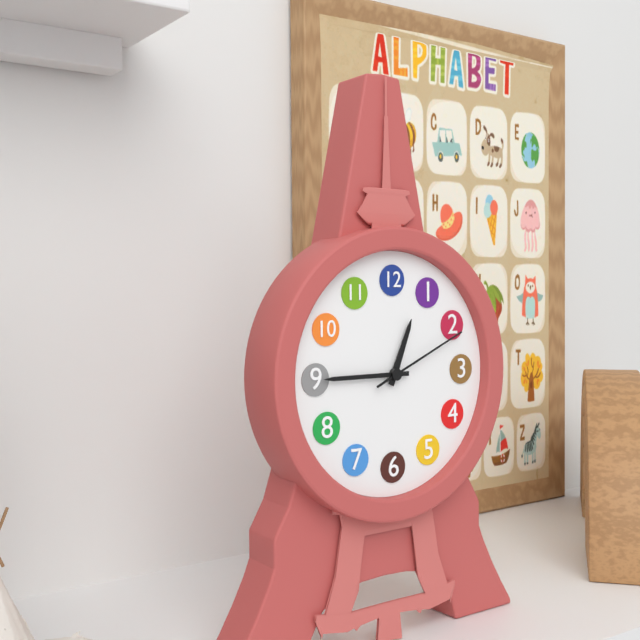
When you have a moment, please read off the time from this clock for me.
12:45:11
